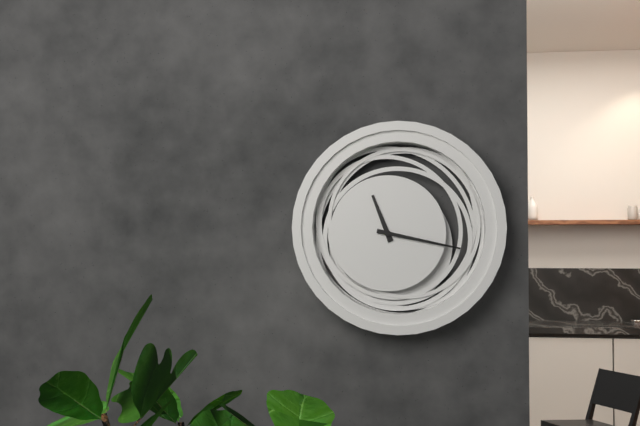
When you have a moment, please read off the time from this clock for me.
11:17
